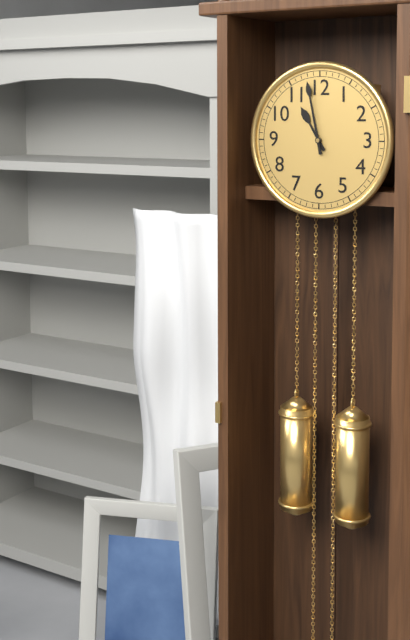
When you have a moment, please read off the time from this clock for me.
10:58
